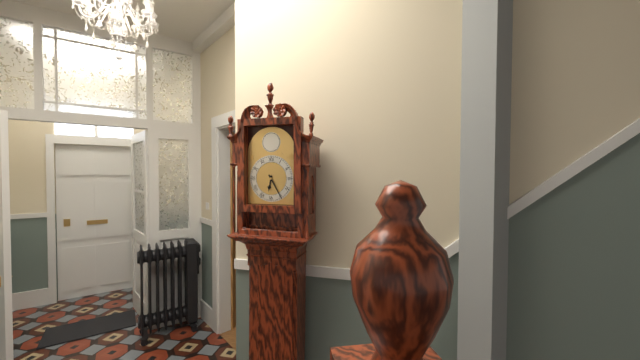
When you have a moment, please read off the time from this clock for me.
6:25
